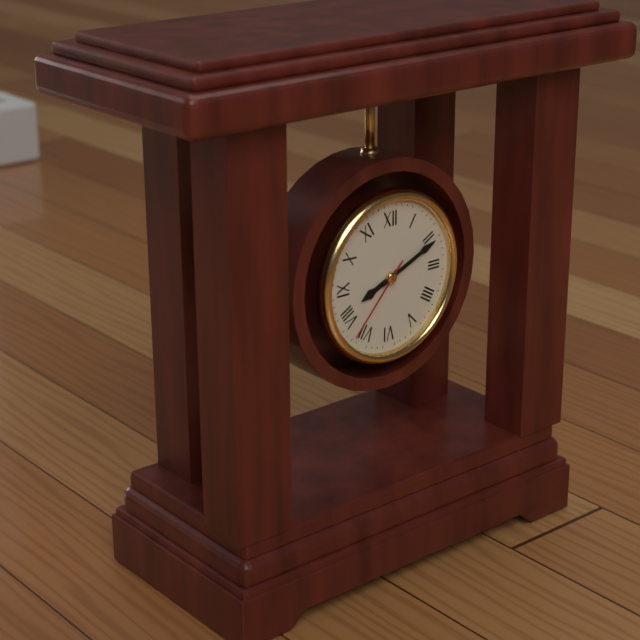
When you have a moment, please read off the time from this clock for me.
8:11:37
